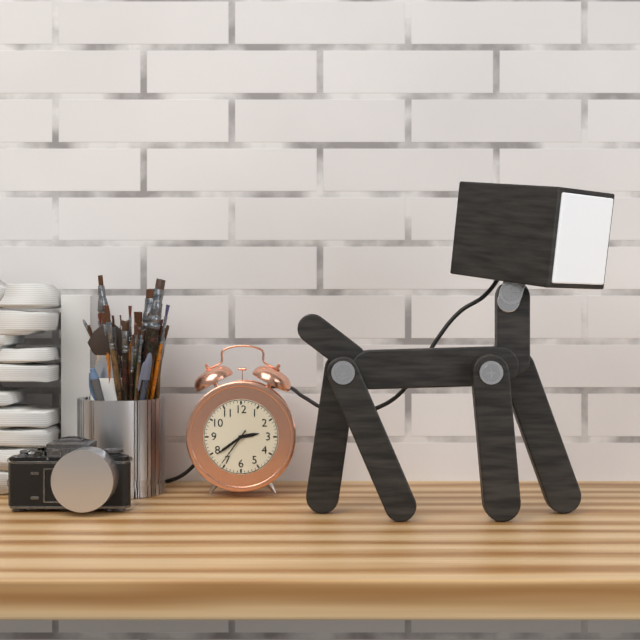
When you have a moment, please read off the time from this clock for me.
2:39
